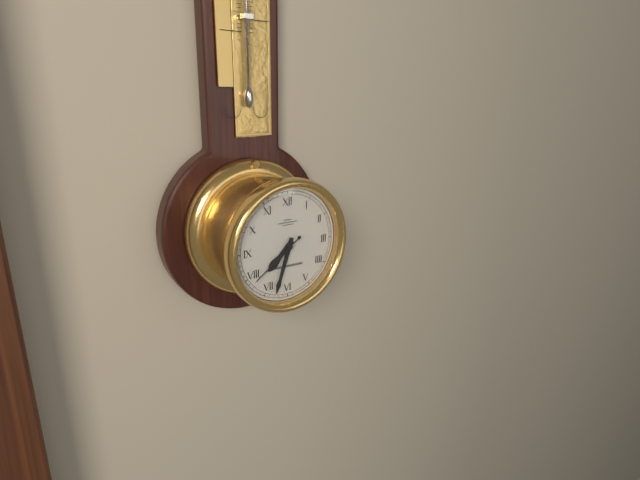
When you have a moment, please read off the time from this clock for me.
7:33:39
